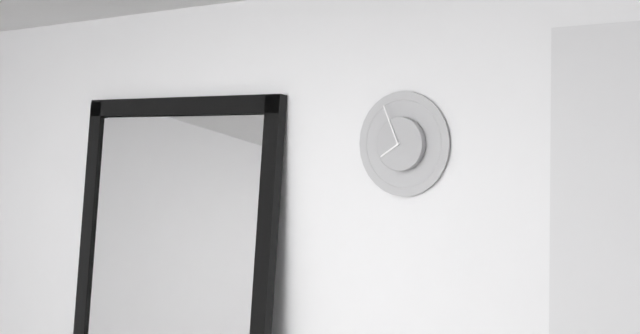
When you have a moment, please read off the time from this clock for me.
7:56
